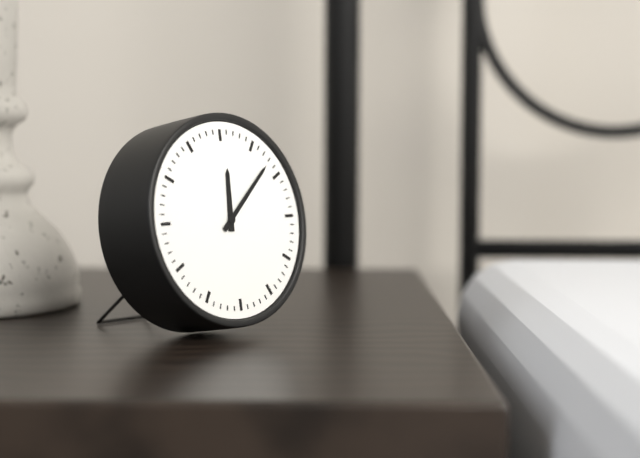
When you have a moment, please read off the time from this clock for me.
12:08
